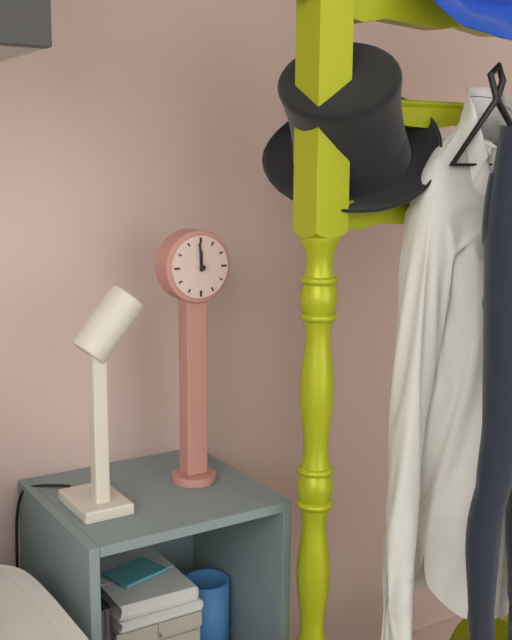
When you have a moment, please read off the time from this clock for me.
11:59
